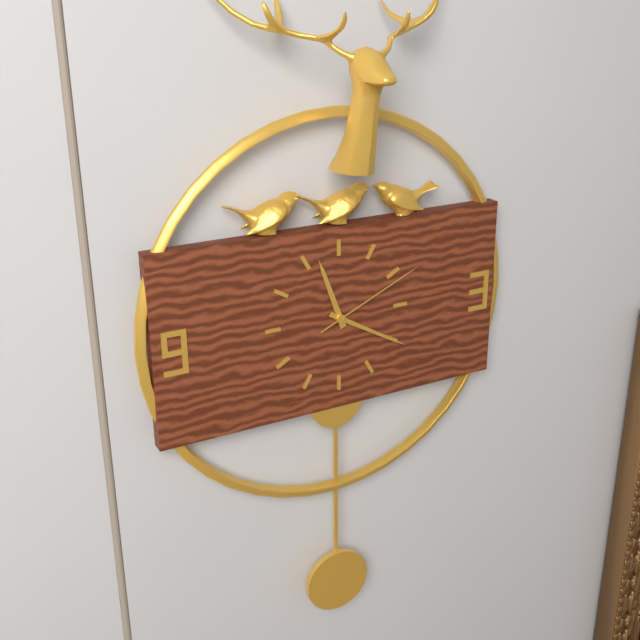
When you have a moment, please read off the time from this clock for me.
11:20:11
